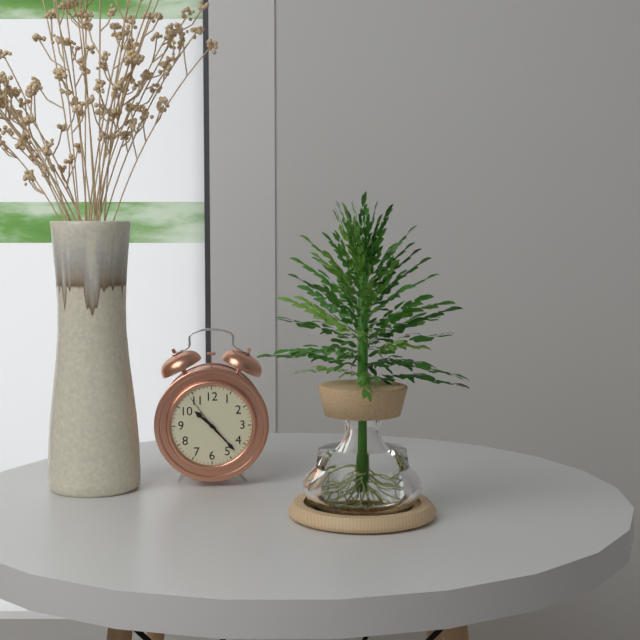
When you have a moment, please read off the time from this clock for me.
10:23
